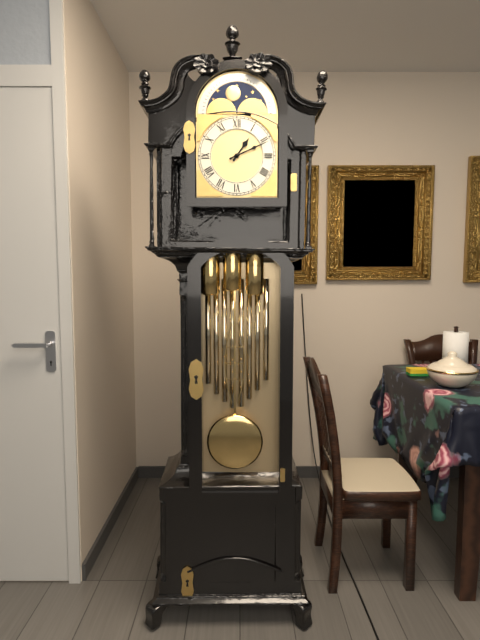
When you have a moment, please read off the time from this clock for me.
1:11
